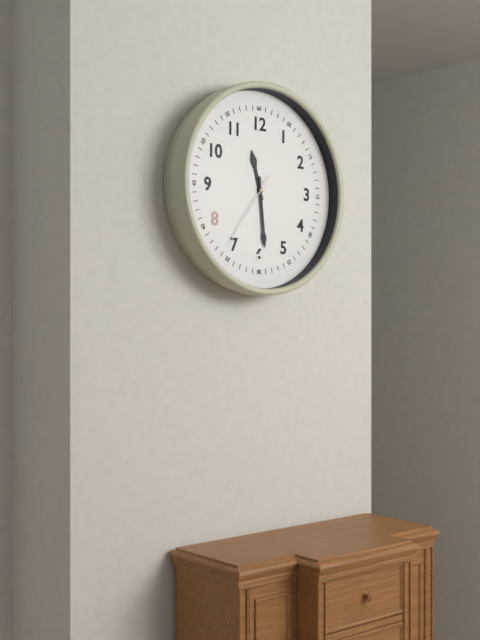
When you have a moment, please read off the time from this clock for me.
11:29:36
